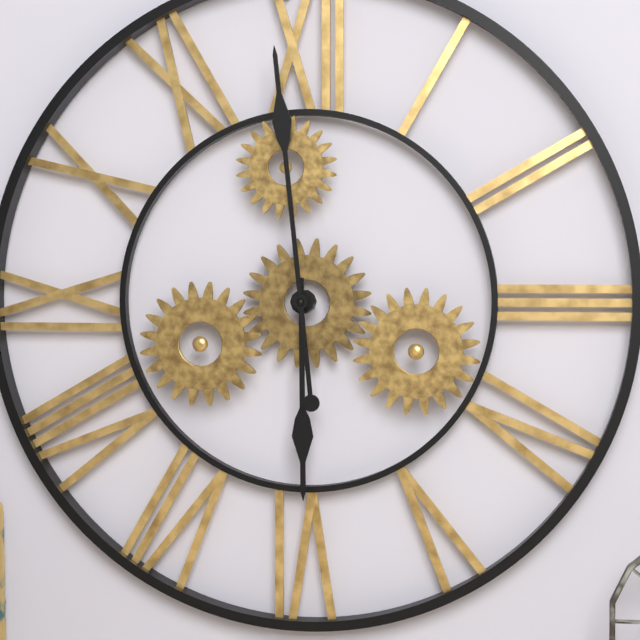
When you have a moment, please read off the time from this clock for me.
5:59
